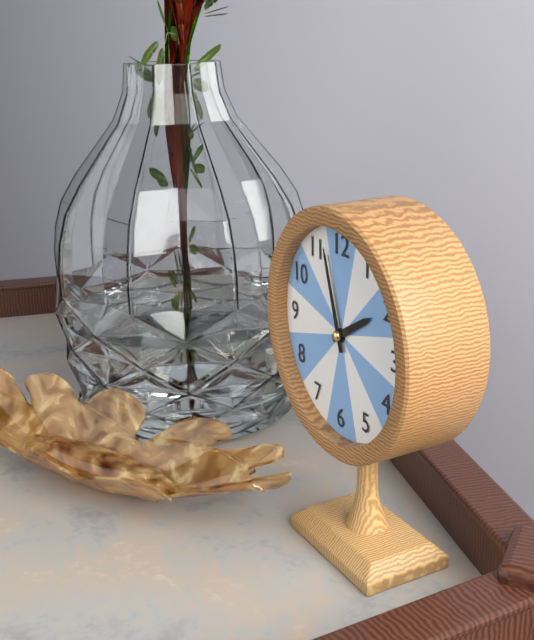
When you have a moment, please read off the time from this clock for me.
1:57
